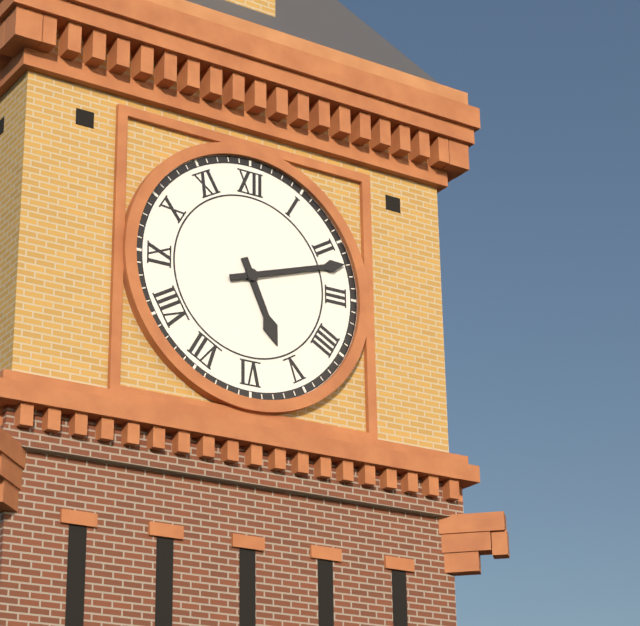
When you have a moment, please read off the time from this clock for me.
5:12
